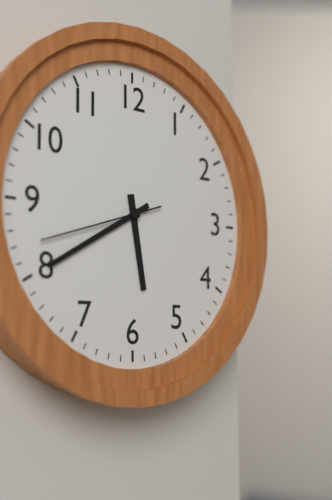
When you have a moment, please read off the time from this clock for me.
5:40:42
